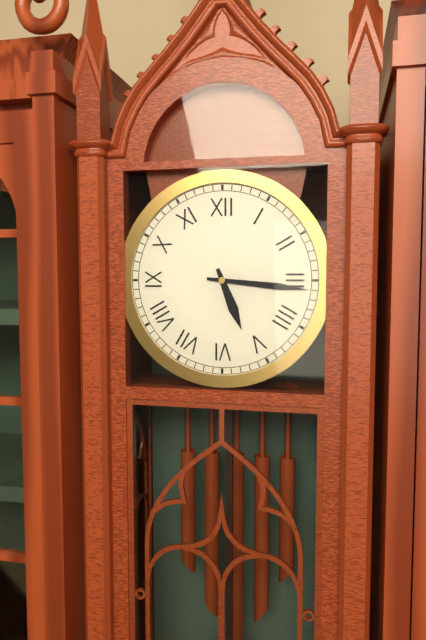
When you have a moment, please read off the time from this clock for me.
5:16
